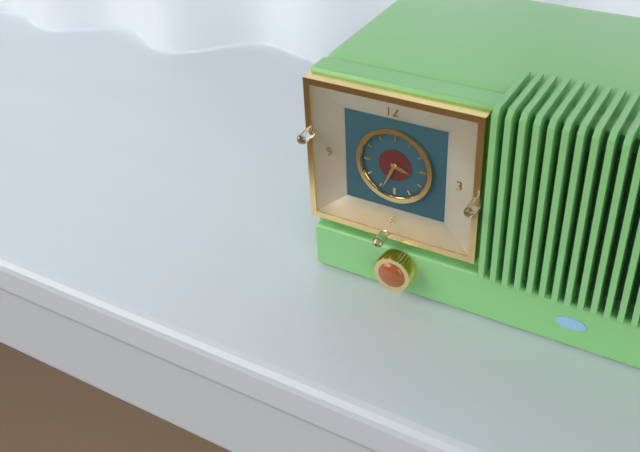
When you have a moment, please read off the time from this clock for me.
3:34
